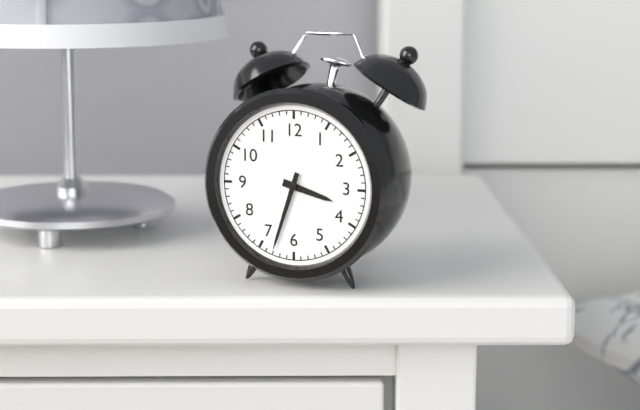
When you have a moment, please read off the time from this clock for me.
3:33
